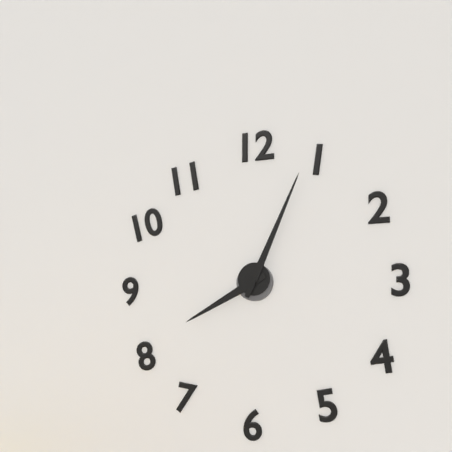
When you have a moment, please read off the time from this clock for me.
8:04
